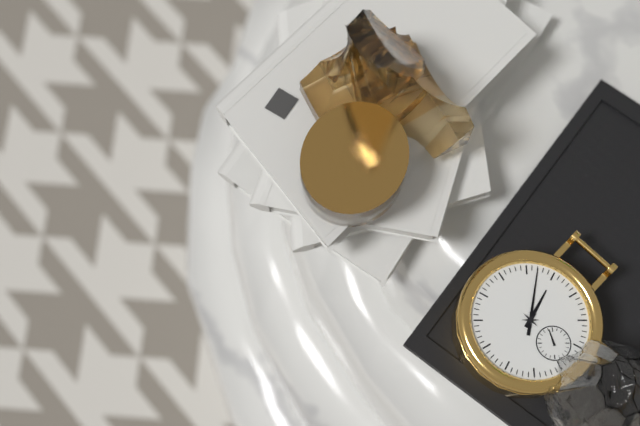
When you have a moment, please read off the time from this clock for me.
1:02
